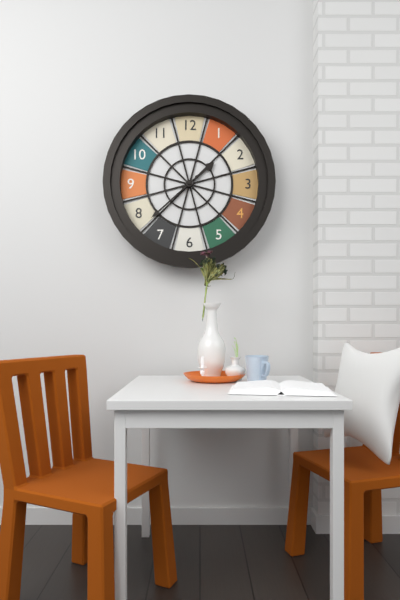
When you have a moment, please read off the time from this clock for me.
1:38
